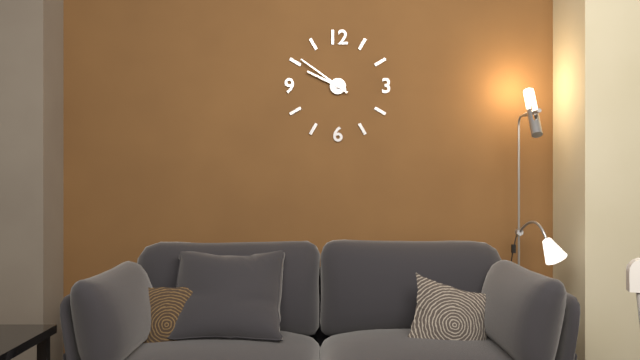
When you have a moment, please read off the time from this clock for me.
9:51
